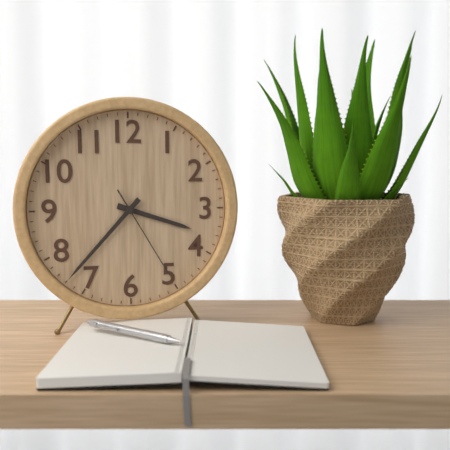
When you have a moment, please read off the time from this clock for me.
3:37:25
